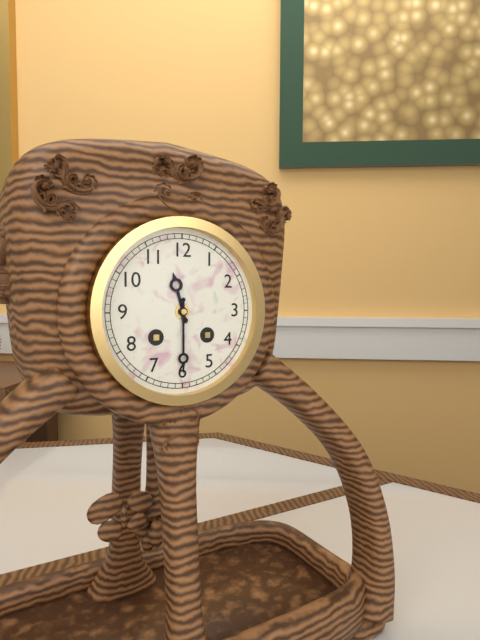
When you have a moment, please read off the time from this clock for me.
11:30
